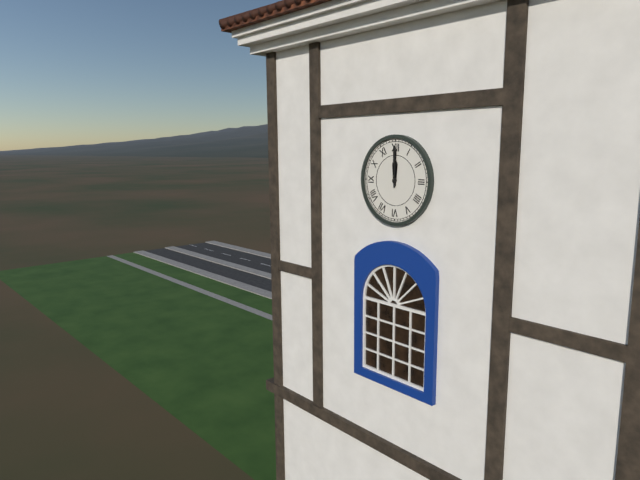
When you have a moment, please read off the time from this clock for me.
12:00
